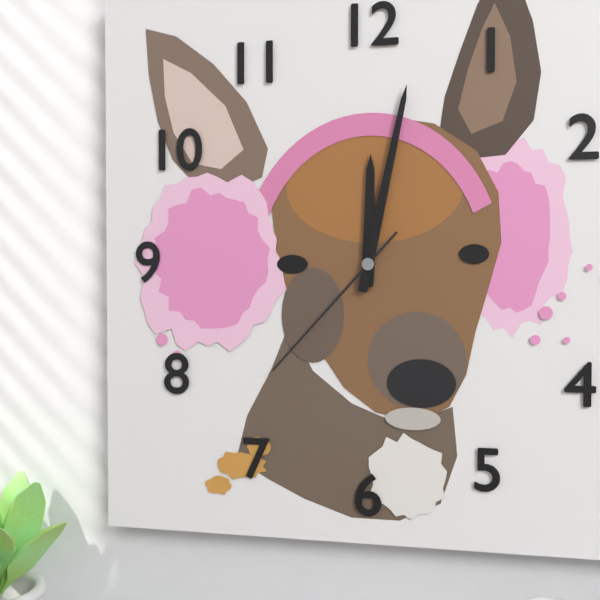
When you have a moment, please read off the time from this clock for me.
12:02:37
